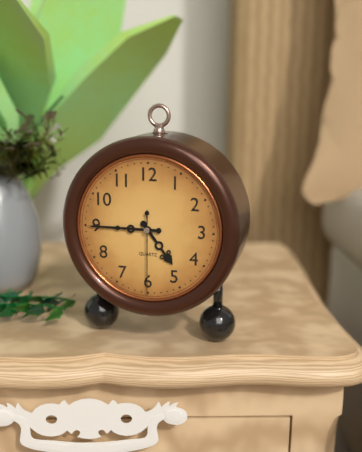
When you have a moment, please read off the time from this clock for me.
4:45:30
